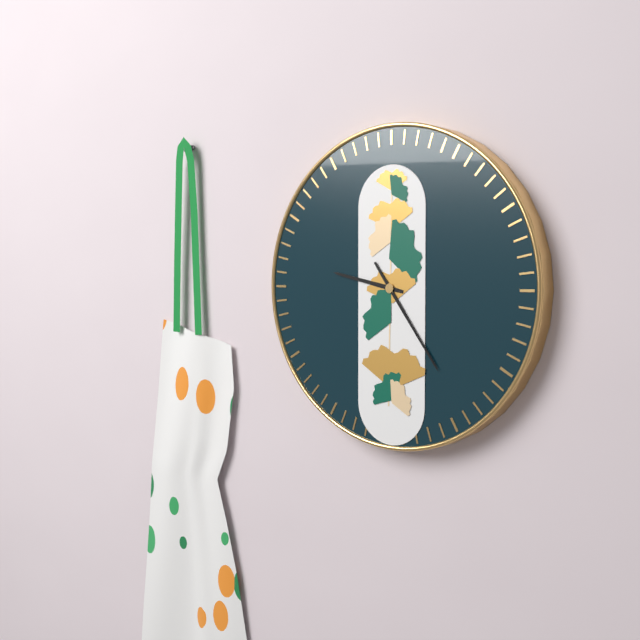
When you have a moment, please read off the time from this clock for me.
9:24
